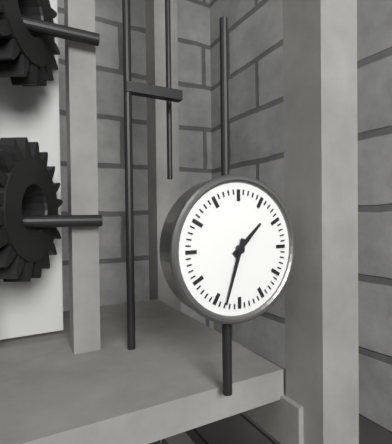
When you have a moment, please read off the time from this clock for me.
1:33
